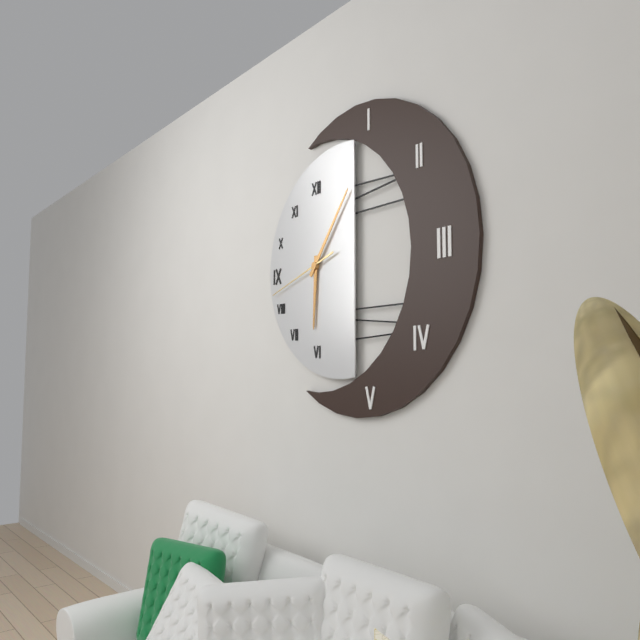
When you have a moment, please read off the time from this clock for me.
6:06:42
